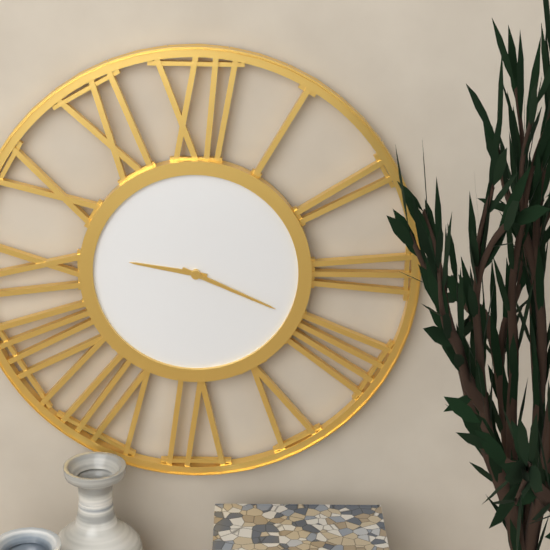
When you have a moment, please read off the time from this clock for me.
9:19
